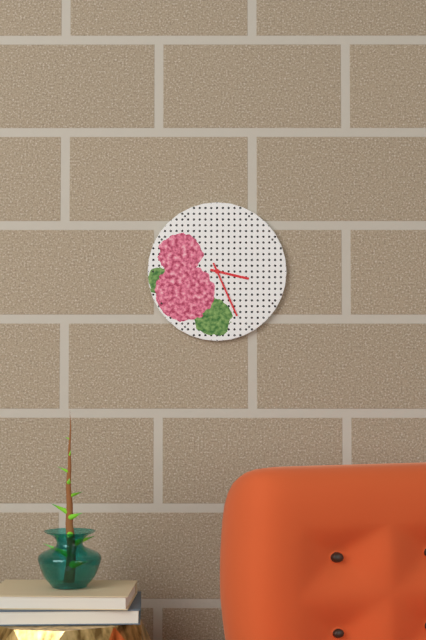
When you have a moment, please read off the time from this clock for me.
3:26
